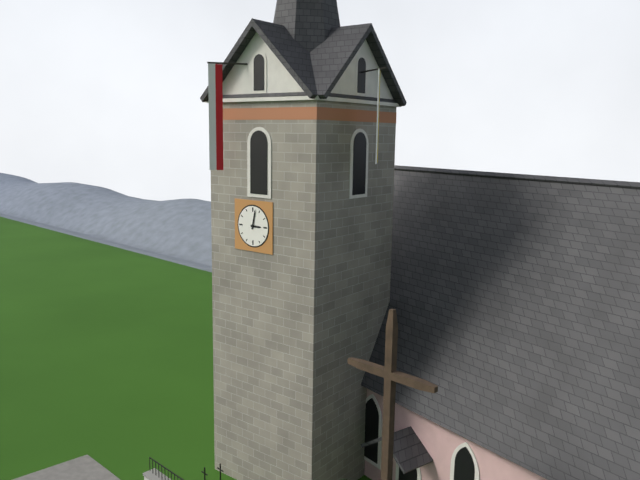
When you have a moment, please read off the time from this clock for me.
3:02
